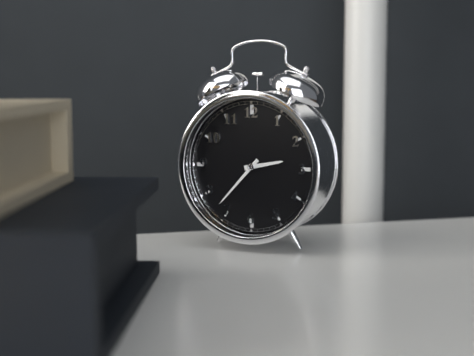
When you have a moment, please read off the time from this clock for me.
2:37
